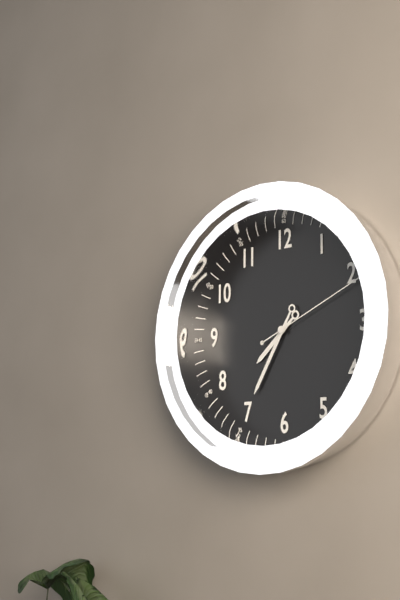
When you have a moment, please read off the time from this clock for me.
7:35:11
